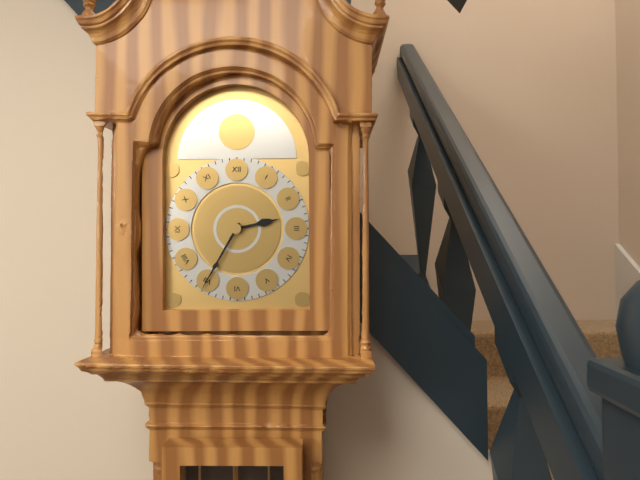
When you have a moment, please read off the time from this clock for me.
2:35
